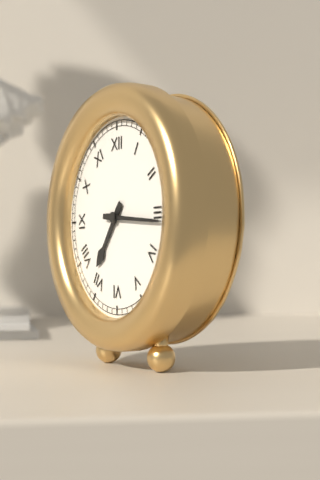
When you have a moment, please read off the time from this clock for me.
7:16
